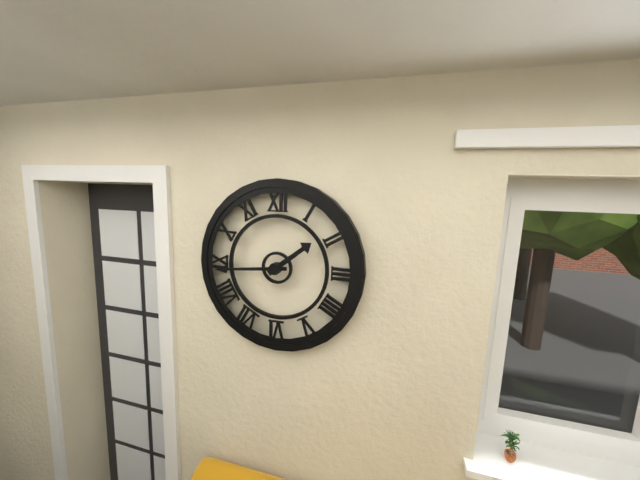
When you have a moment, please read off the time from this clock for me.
1:44
